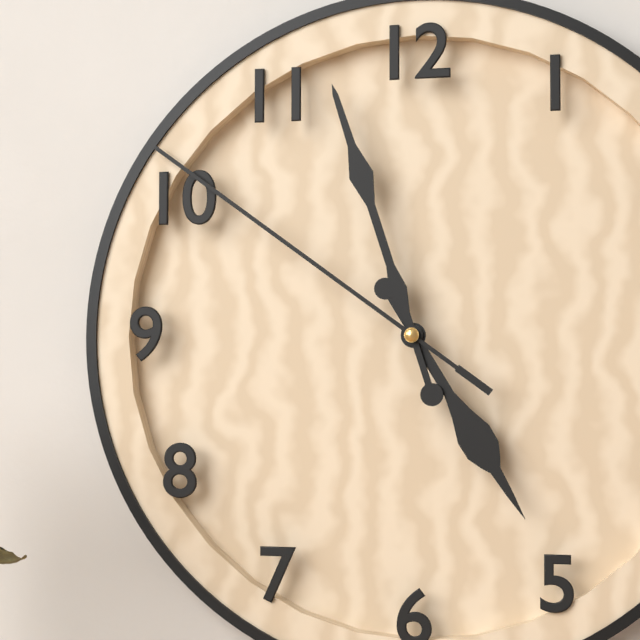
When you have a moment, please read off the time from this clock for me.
4:57:51
